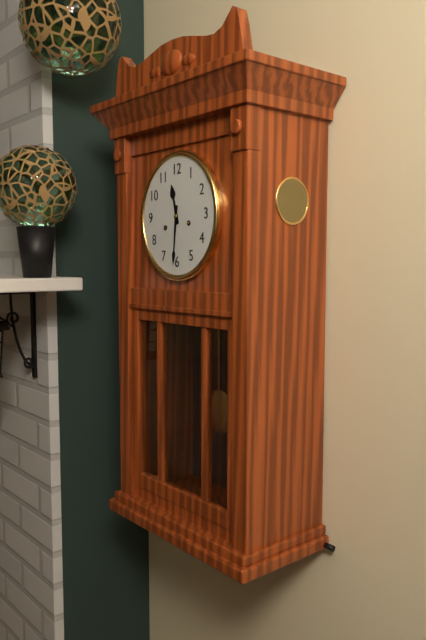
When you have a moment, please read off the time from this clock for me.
11:31
